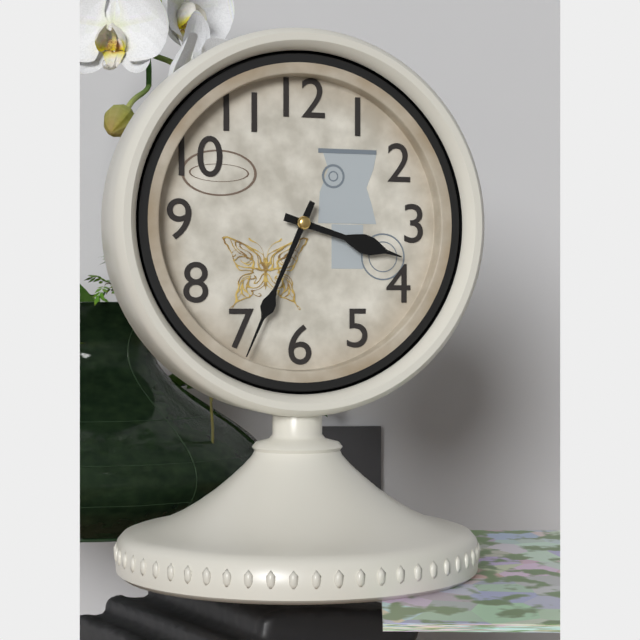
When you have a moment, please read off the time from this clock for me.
3:34
